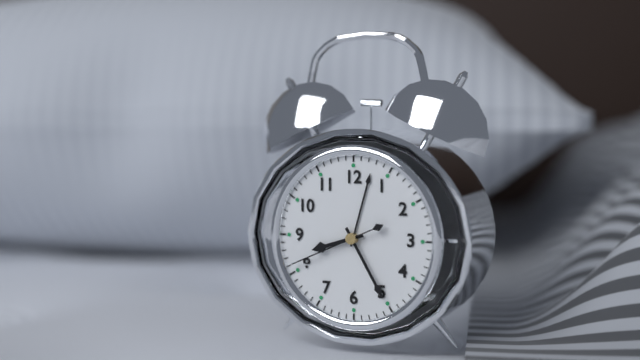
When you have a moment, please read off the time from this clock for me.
8:25:41
